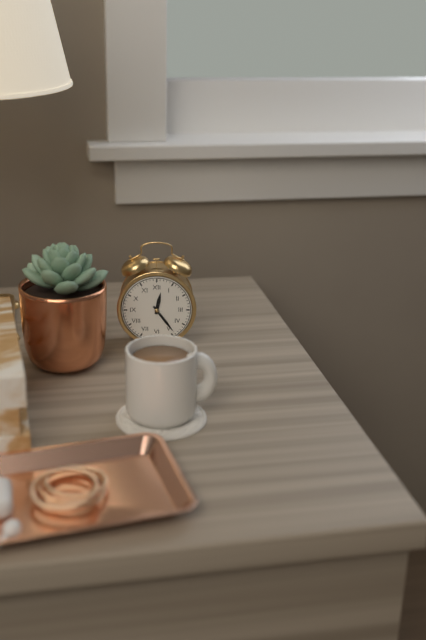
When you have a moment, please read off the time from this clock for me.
12:24
